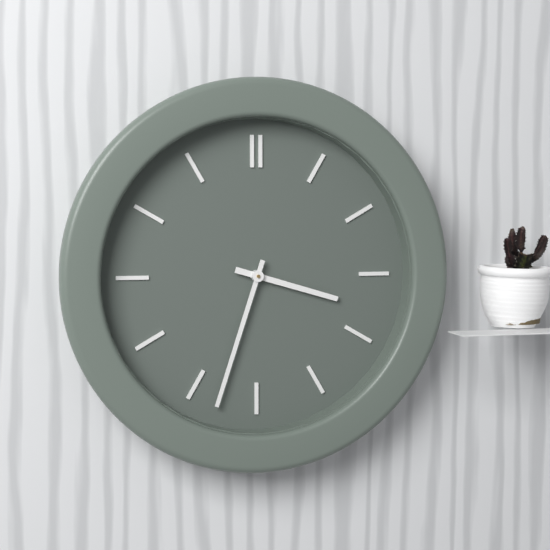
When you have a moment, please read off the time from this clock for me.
3:33
